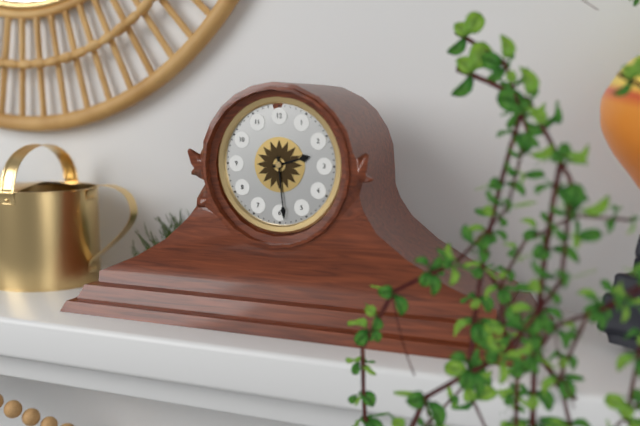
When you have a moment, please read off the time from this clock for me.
2:29
